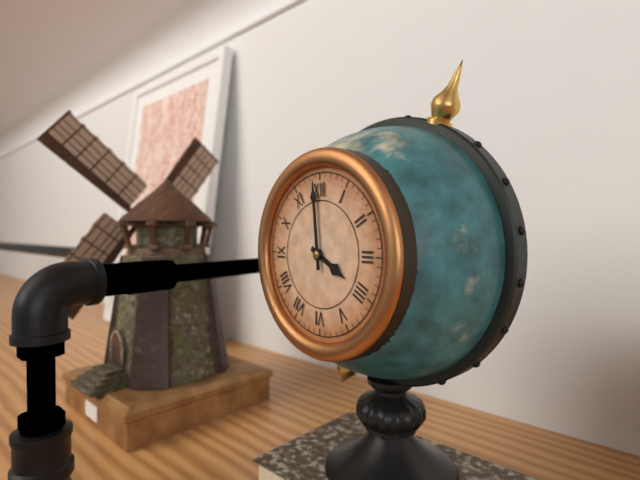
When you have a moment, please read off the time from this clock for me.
3:59
